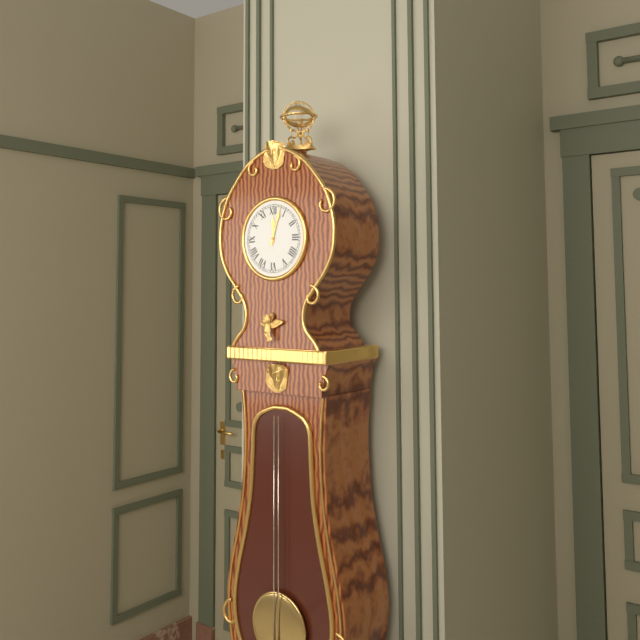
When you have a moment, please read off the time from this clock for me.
12:03
